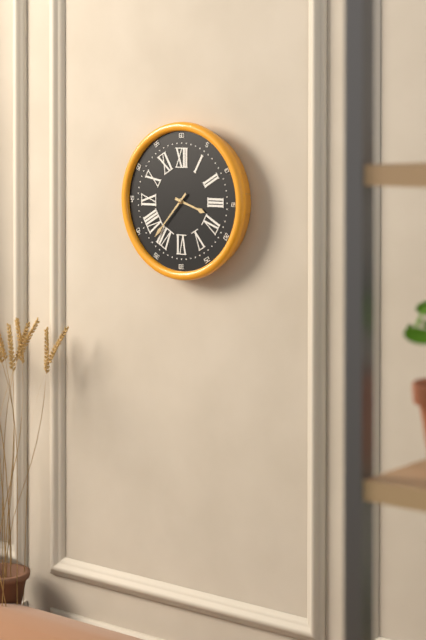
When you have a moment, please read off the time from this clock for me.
3:37
